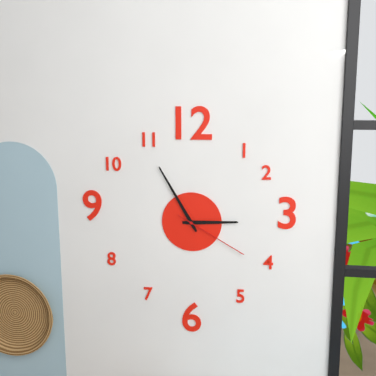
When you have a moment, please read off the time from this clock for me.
2:55:20
